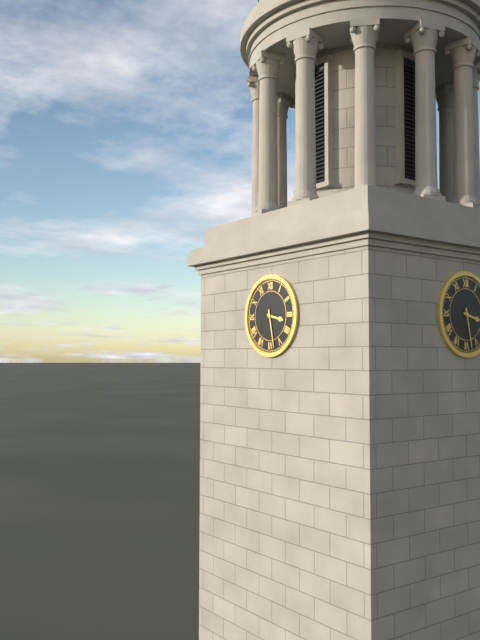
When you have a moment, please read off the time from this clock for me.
3:28
